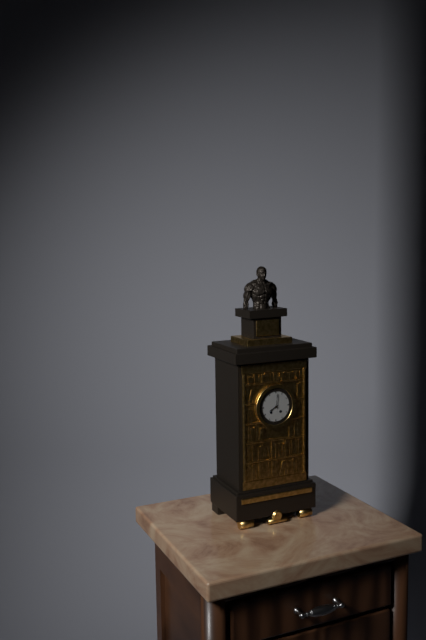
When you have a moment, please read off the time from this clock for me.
8:01
